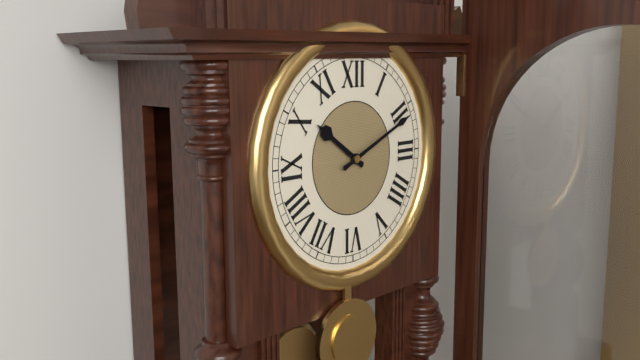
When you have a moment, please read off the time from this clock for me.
10:11
